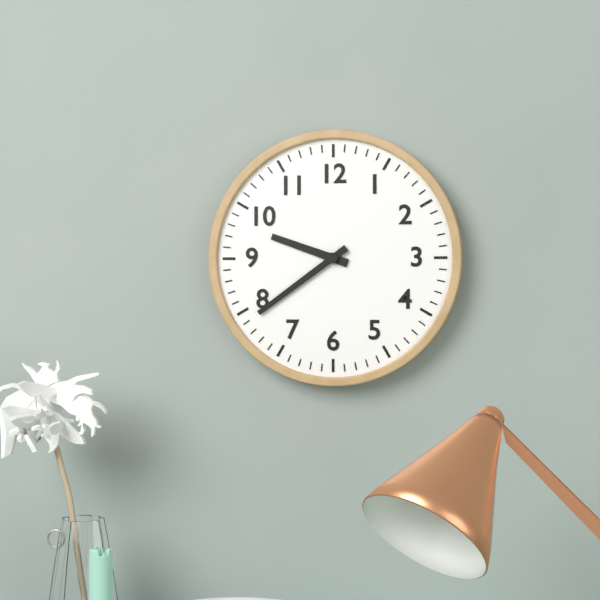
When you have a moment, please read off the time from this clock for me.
9:39
